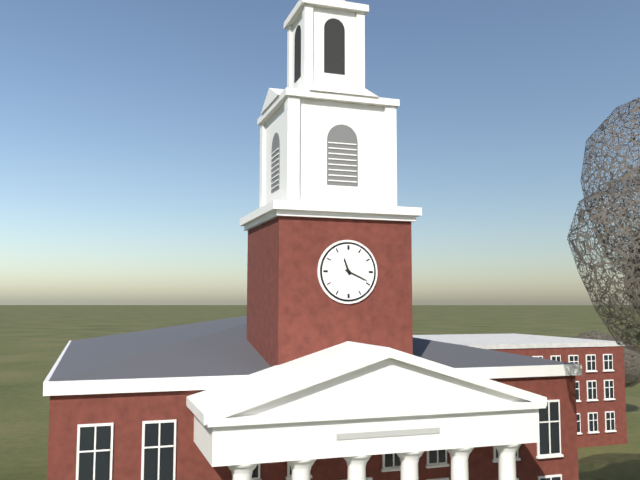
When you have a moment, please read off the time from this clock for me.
11:19
